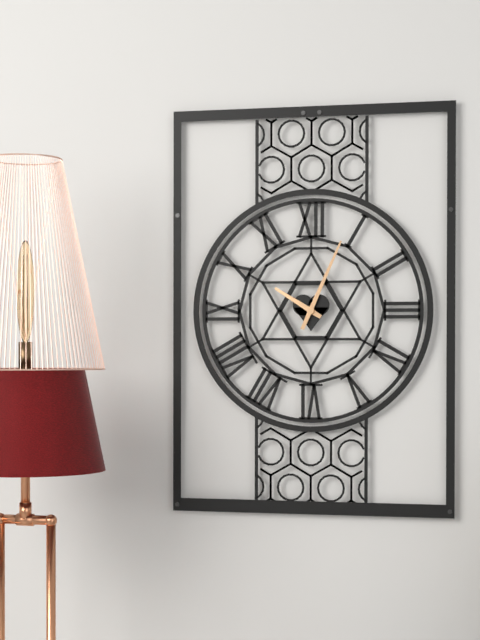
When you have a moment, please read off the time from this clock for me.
10:04
